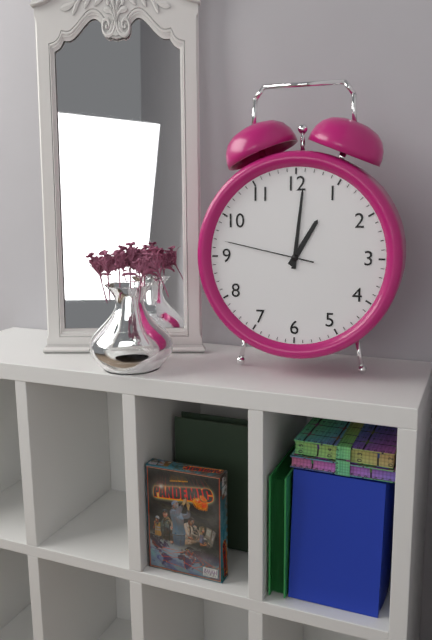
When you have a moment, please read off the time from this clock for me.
1:01:47
